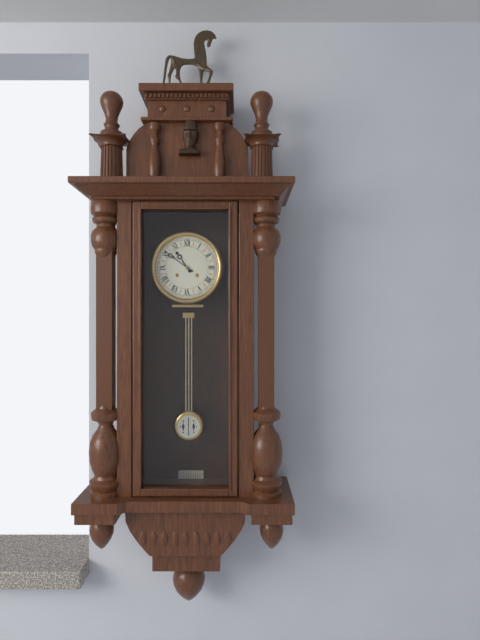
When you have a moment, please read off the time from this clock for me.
10:51
